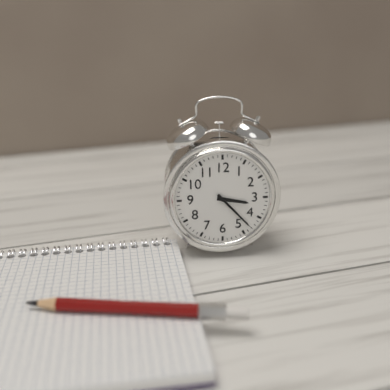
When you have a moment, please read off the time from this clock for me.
3:23
